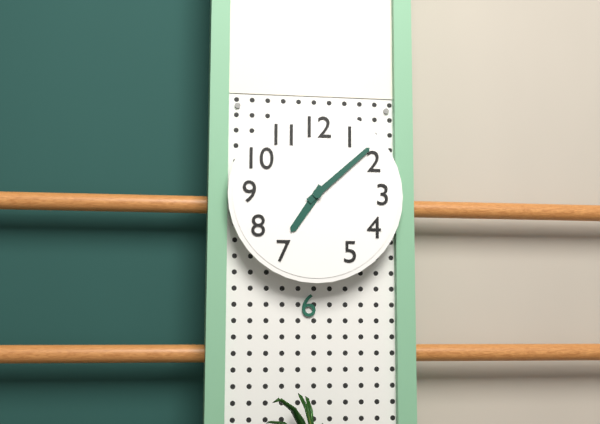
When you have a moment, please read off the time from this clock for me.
7:08
